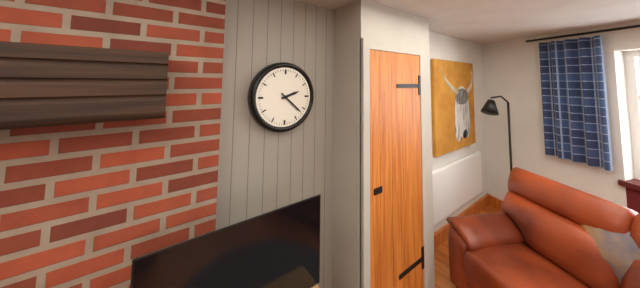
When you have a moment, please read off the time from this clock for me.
2:22
